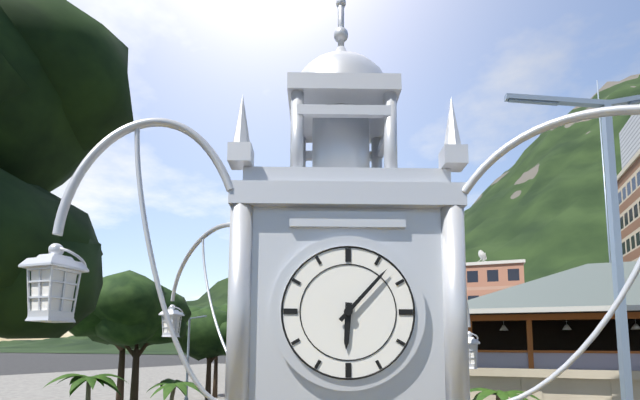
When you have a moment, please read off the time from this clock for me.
6:07
